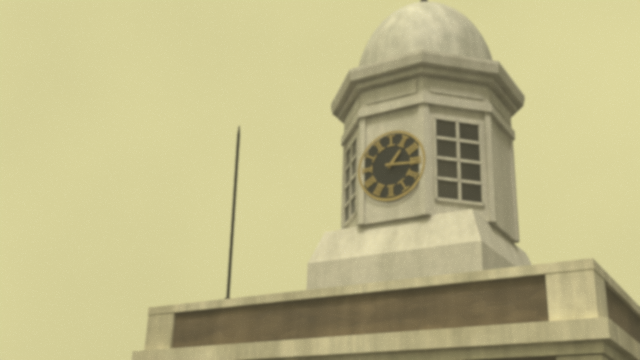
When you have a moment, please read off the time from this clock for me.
1:16
